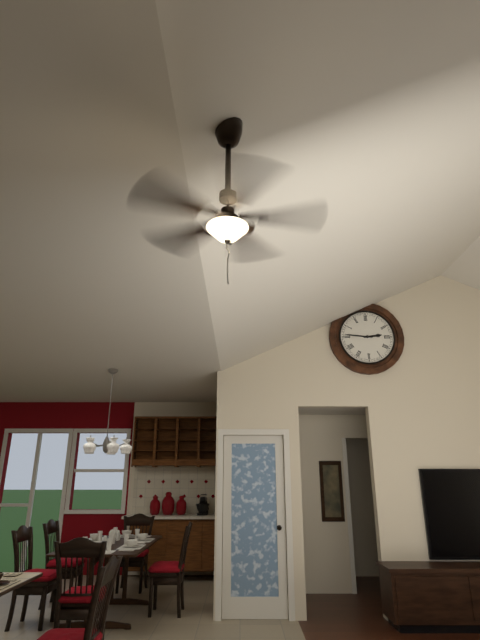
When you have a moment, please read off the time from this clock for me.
2:46
